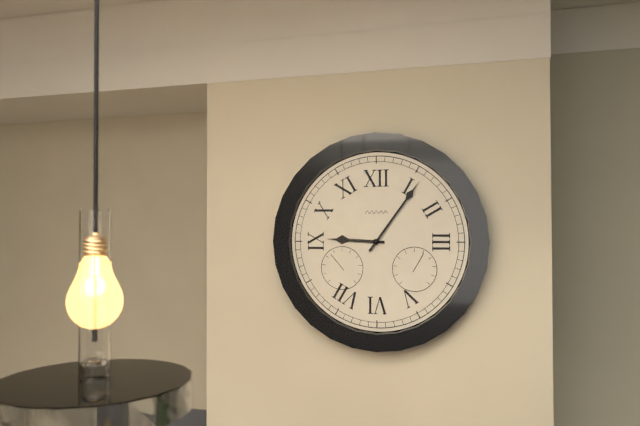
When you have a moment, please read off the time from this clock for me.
9:06
